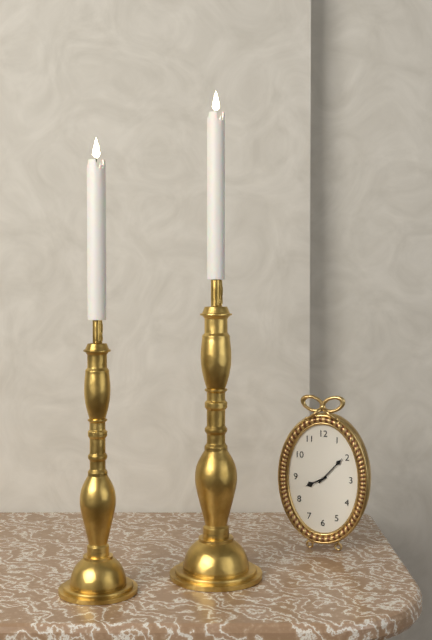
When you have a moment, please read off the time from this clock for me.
8:07
